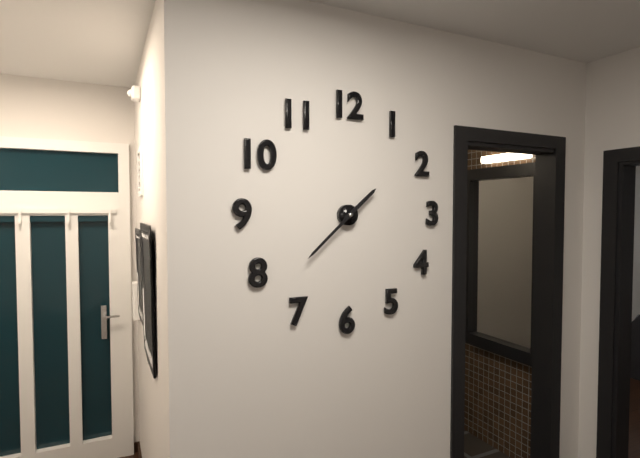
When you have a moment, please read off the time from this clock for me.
1:38
